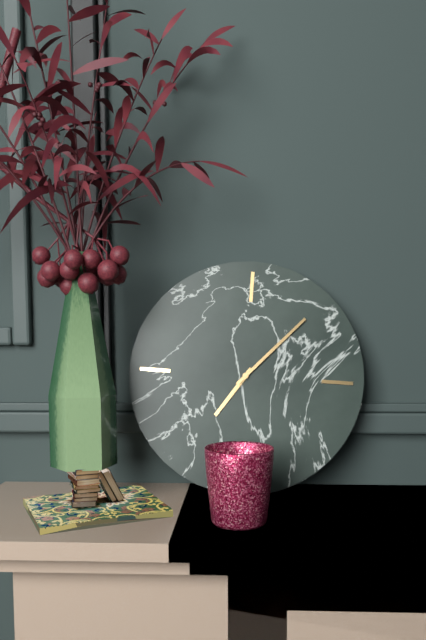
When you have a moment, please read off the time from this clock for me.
7:07
